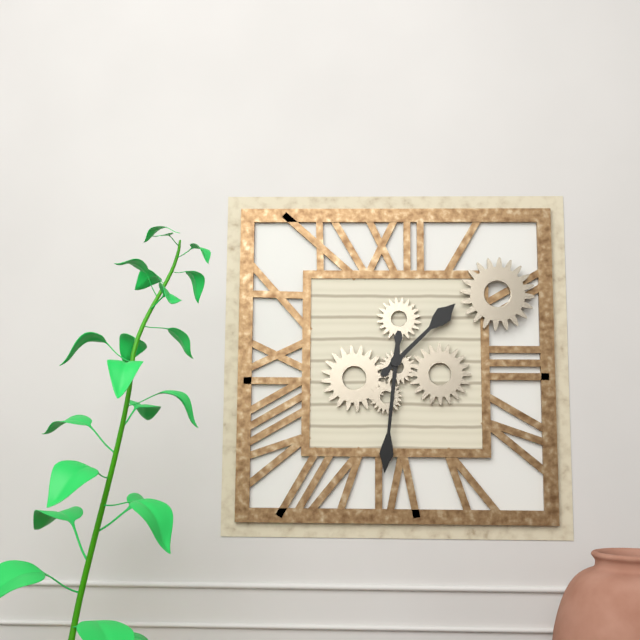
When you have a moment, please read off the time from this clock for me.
1:31
